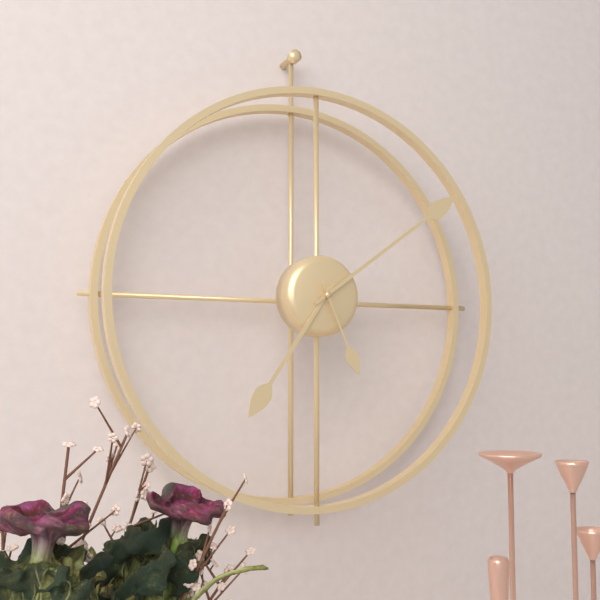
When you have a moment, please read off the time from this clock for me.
7:09:26
